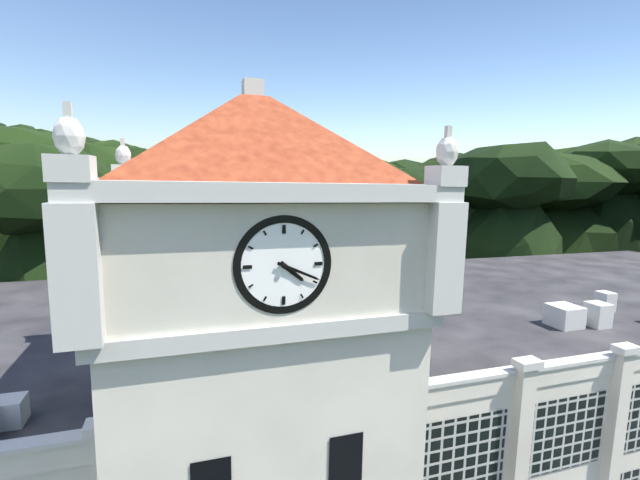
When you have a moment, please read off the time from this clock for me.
4:19
